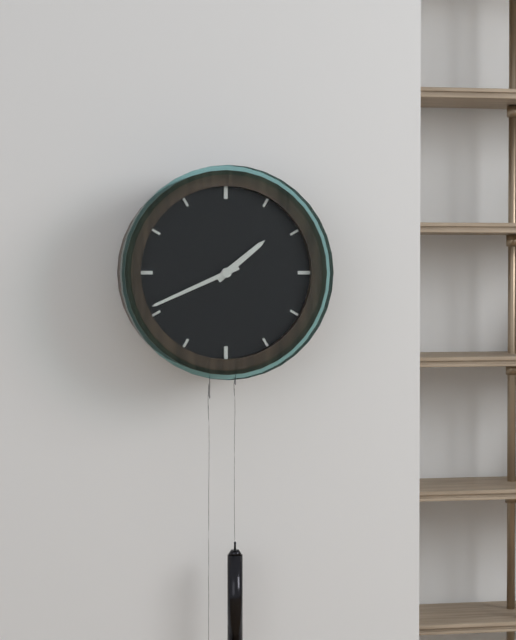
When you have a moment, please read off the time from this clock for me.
1:41
